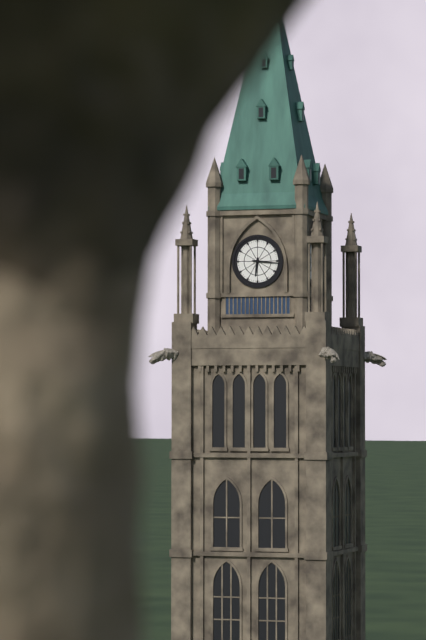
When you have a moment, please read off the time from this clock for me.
6:16
